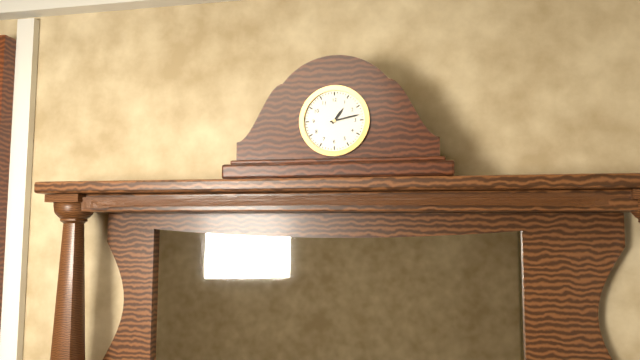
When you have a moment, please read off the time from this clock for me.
1:13
